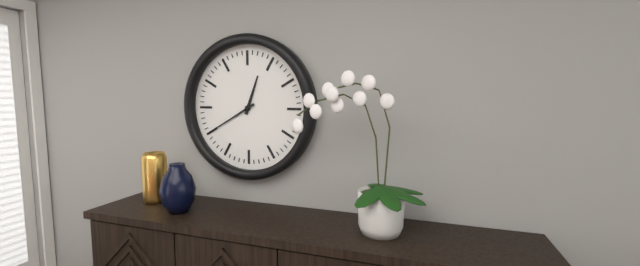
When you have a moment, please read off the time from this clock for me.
12:40
